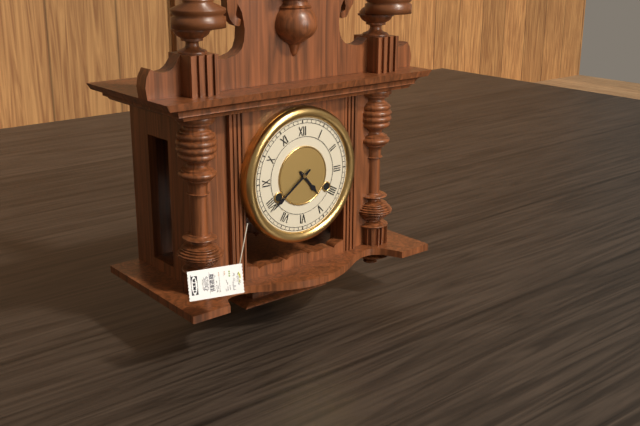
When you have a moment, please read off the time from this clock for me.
4:39
